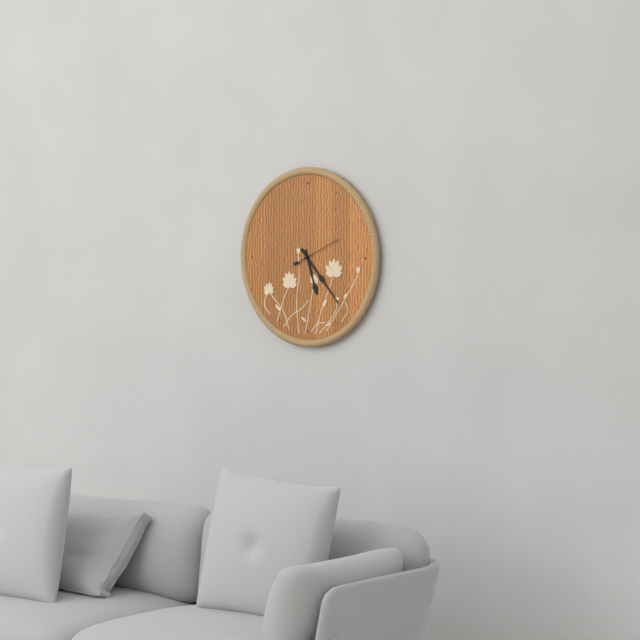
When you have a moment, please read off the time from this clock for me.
5:23
